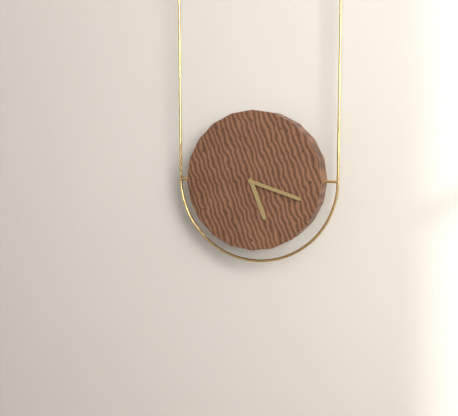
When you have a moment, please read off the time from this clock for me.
5:18
